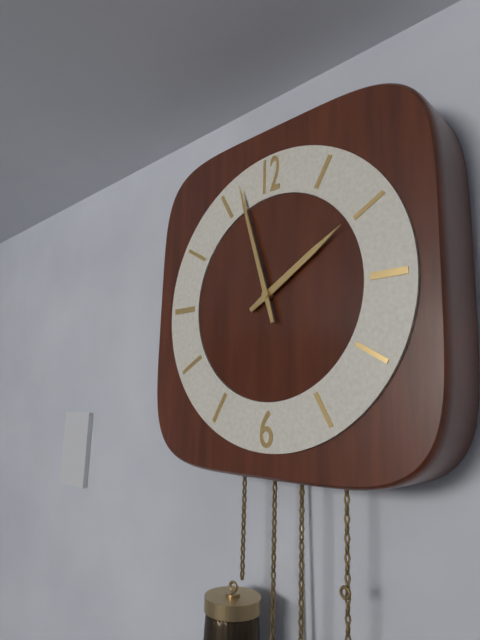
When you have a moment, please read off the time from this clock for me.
1:57
